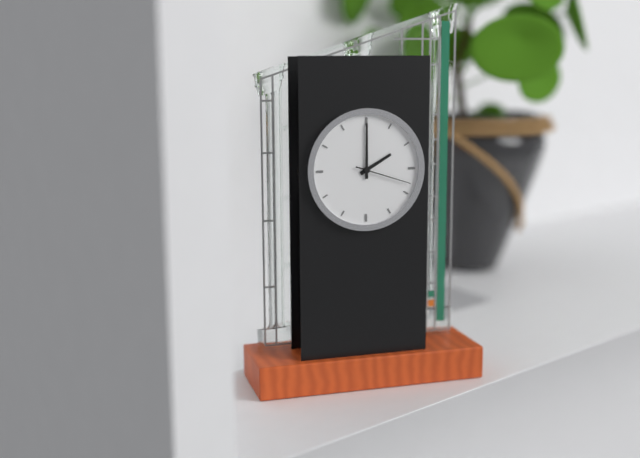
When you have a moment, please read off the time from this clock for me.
2:00:18
